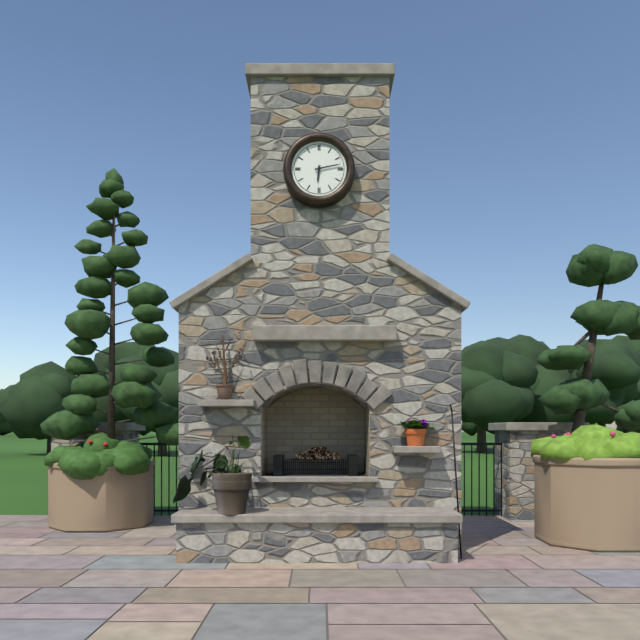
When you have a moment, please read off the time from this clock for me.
6:13
